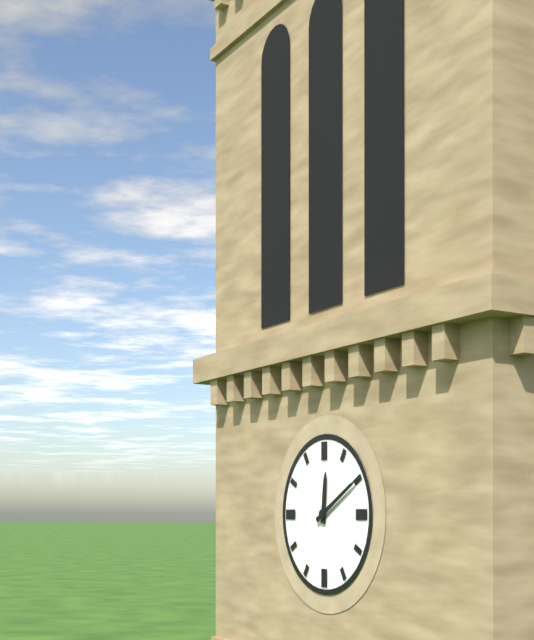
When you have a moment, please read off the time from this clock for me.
12:10
